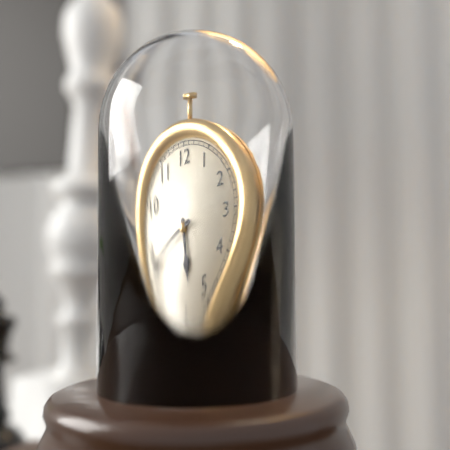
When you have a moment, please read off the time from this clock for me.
5:43
